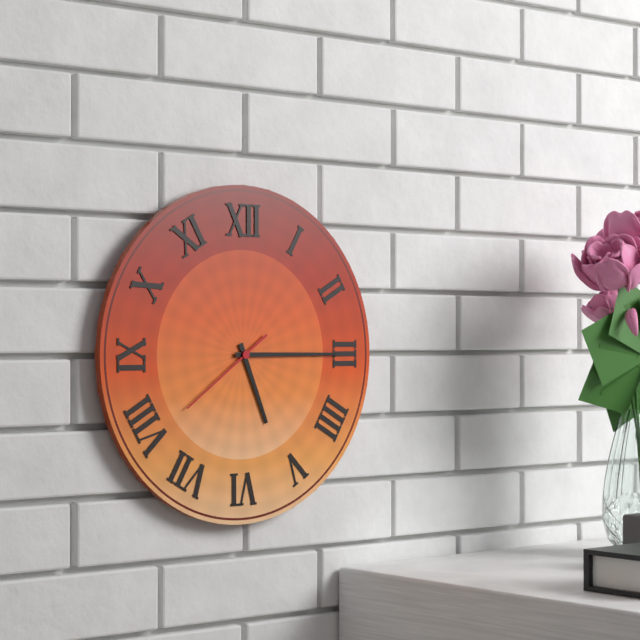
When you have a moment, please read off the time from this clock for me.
5:15:39
